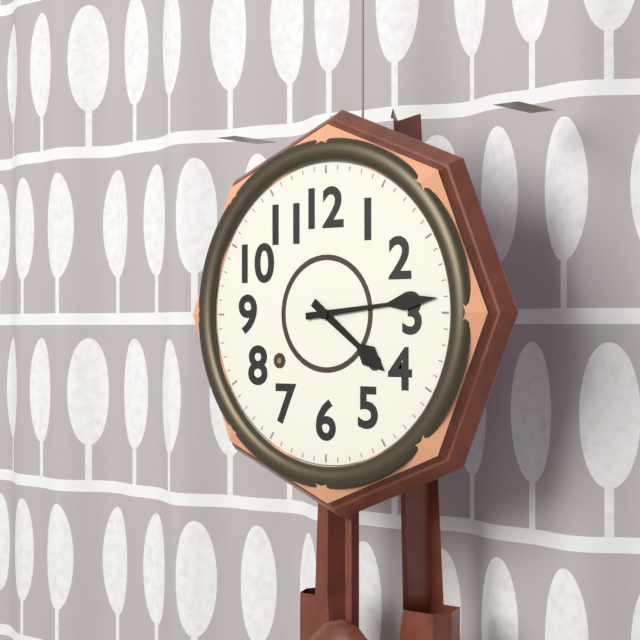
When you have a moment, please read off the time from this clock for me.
4:14
